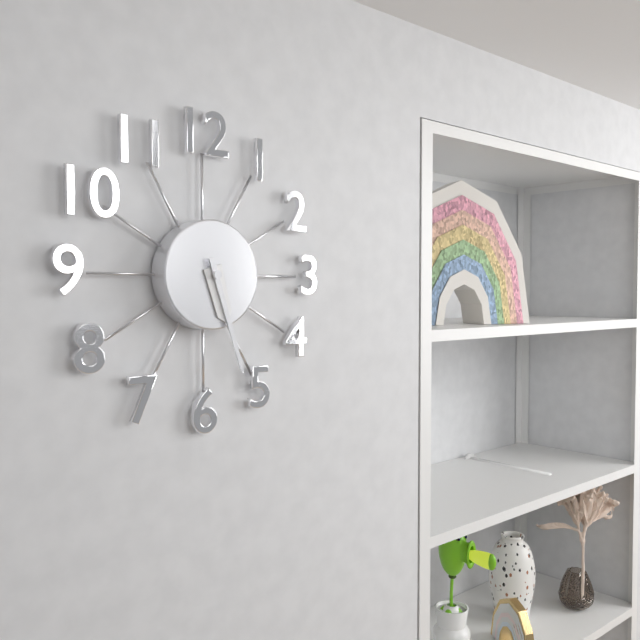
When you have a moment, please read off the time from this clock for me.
5:27
